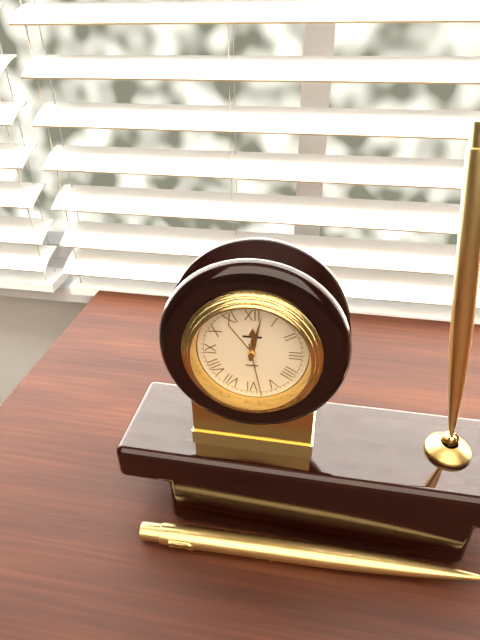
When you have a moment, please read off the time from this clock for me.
12:02:28
